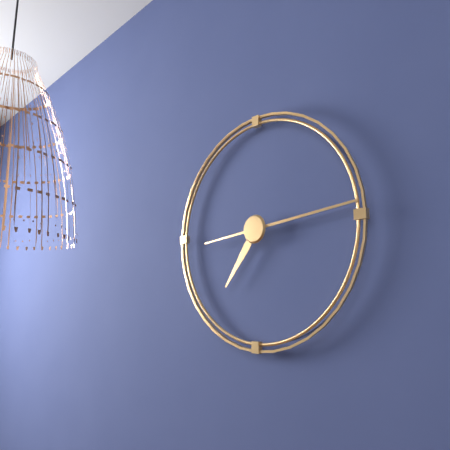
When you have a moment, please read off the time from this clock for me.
7:14
